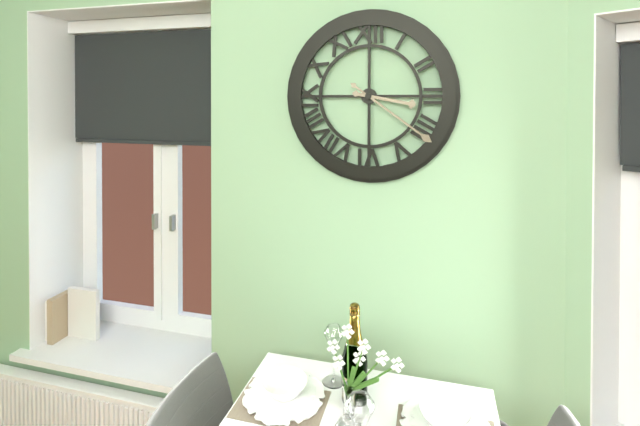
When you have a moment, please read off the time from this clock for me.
3:21
